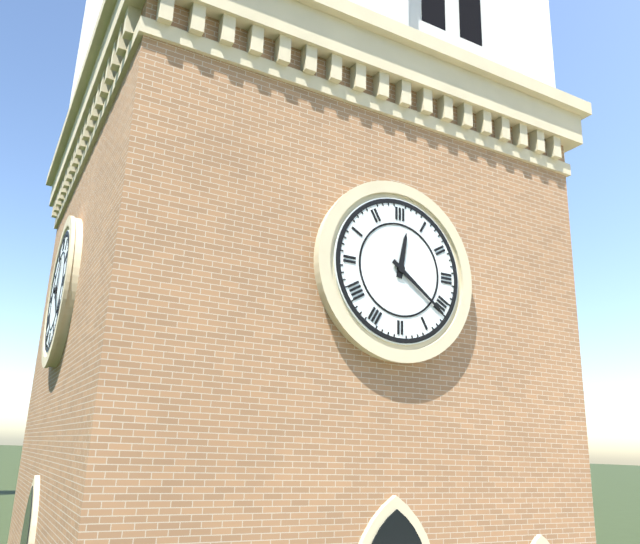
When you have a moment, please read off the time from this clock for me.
12:21
